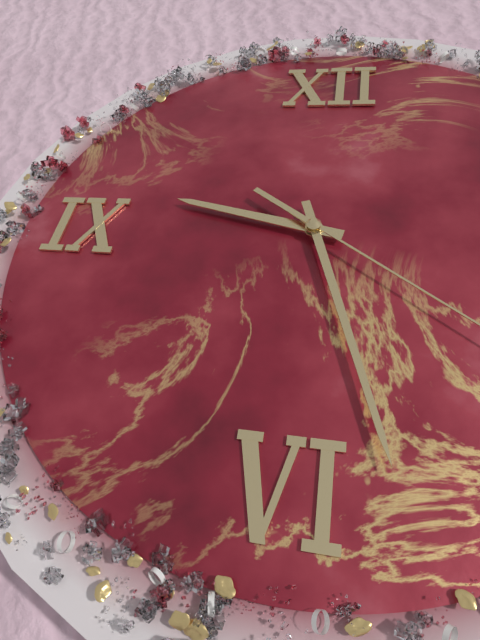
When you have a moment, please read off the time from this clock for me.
9:27
